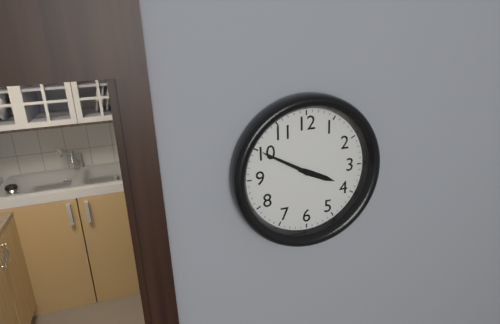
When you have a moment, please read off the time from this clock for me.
3:50
